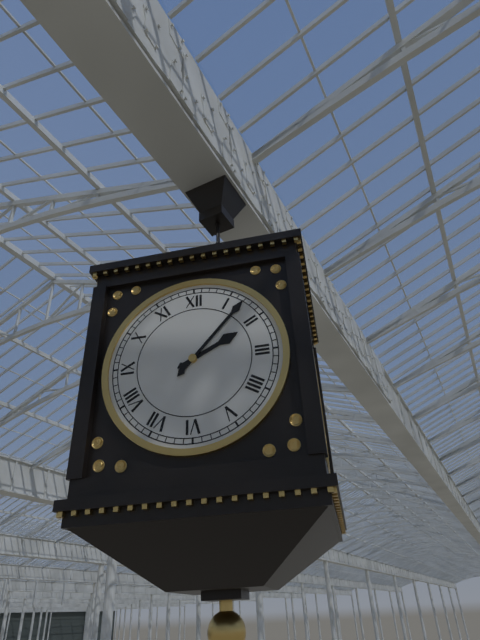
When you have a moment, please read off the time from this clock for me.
2:07
